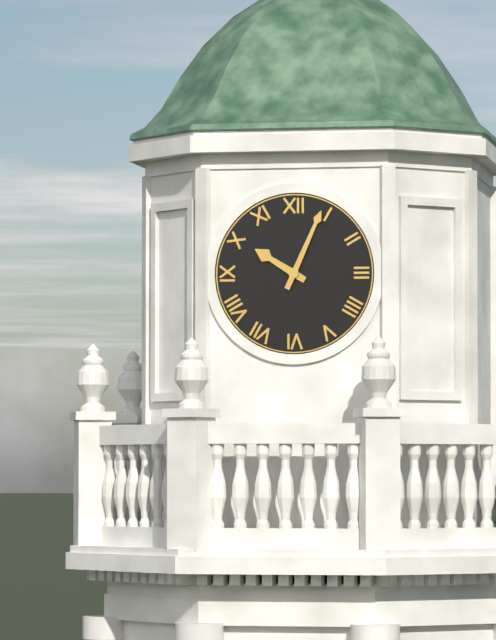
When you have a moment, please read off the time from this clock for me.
10:04
